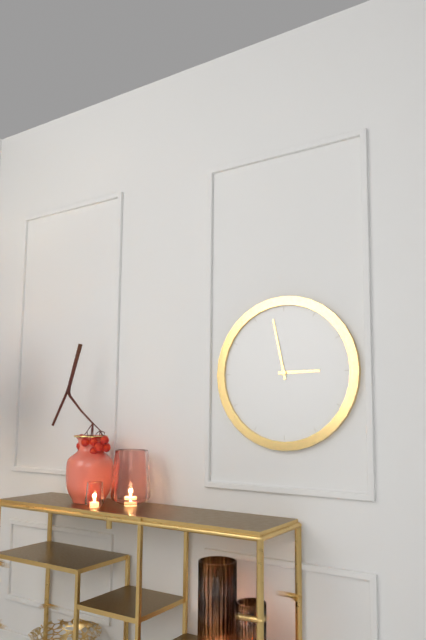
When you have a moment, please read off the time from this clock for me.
2:58
